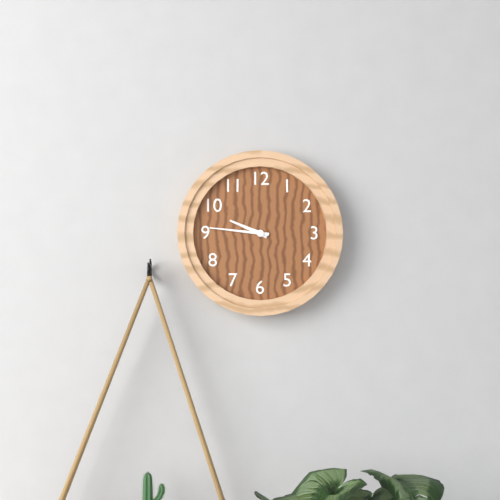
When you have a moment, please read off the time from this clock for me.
9:46
